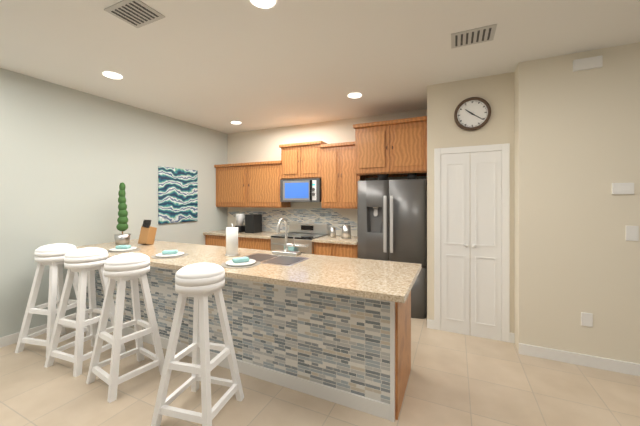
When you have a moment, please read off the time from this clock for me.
10:21
